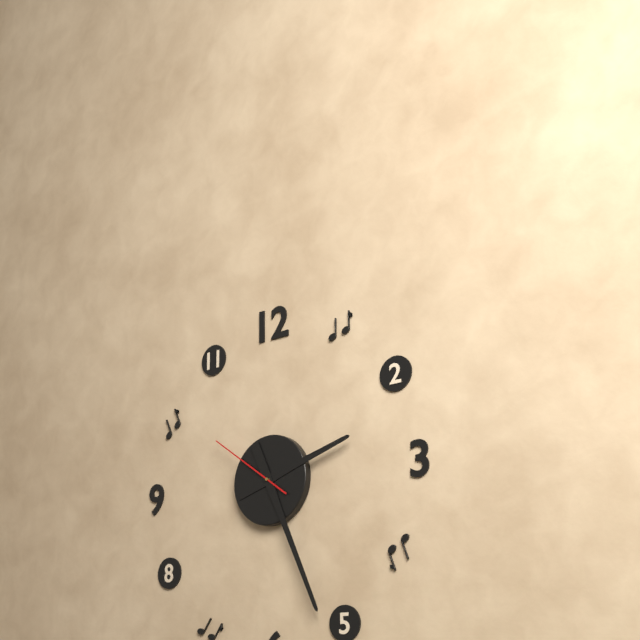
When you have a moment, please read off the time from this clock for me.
2:26:51
